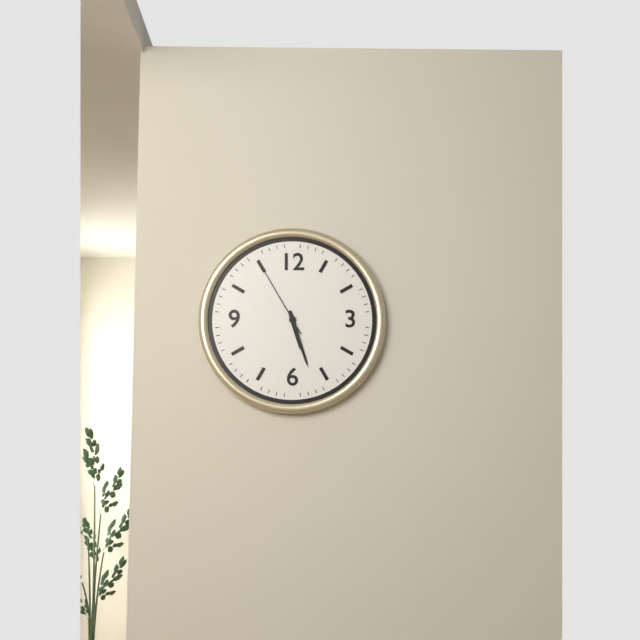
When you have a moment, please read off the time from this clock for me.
5:27:55
